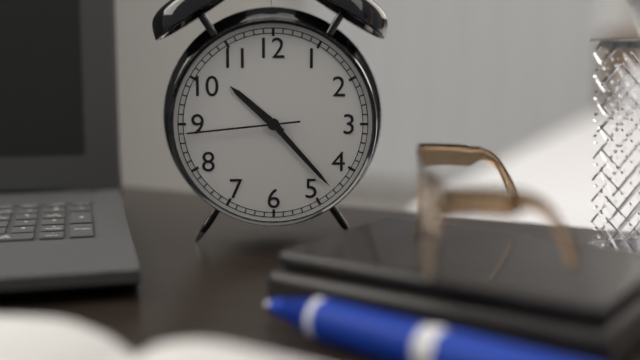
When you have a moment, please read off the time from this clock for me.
10:23:44
